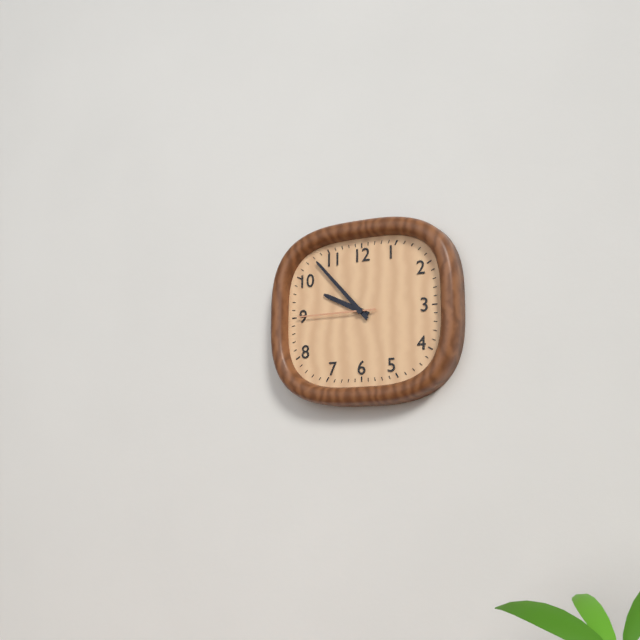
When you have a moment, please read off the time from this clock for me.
9:53:45
